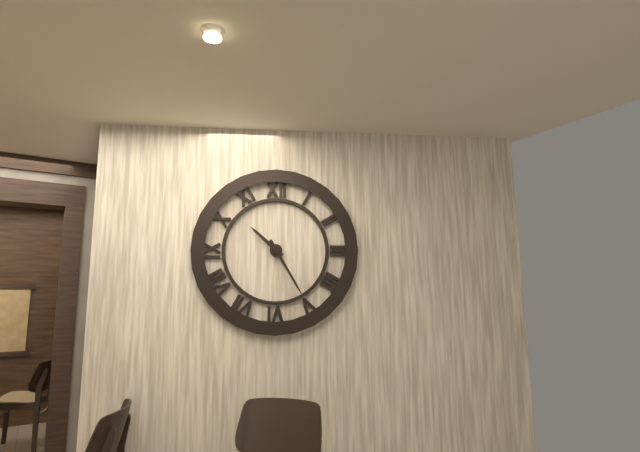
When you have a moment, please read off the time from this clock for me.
10:25
